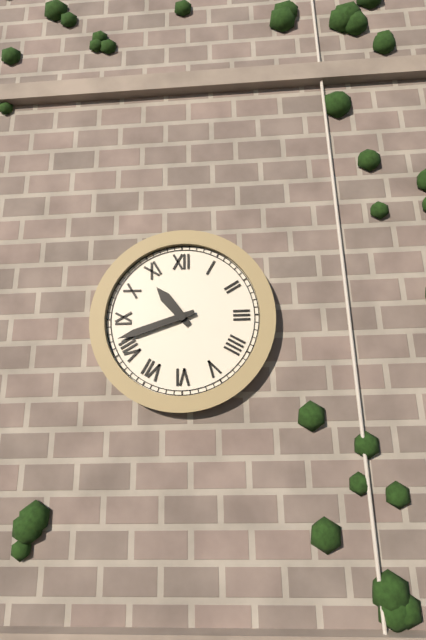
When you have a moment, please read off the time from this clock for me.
10:42
